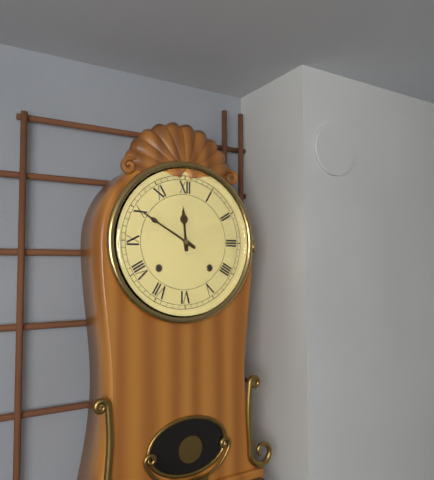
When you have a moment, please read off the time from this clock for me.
11:50
